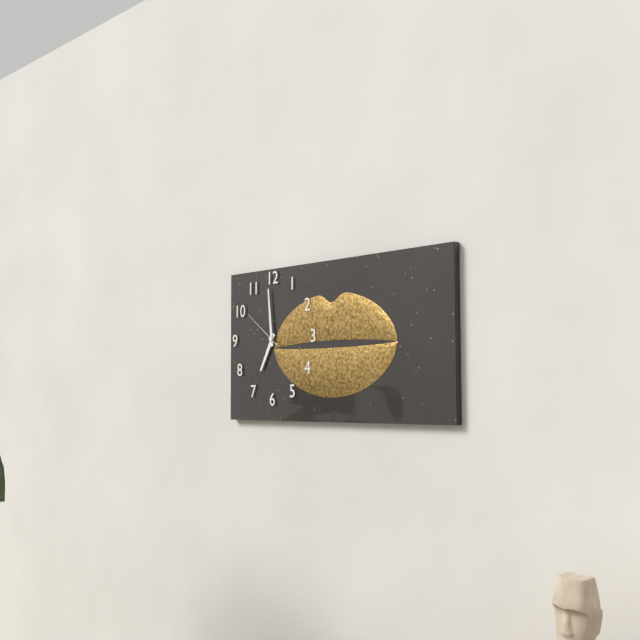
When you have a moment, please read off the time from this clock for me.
6:59
